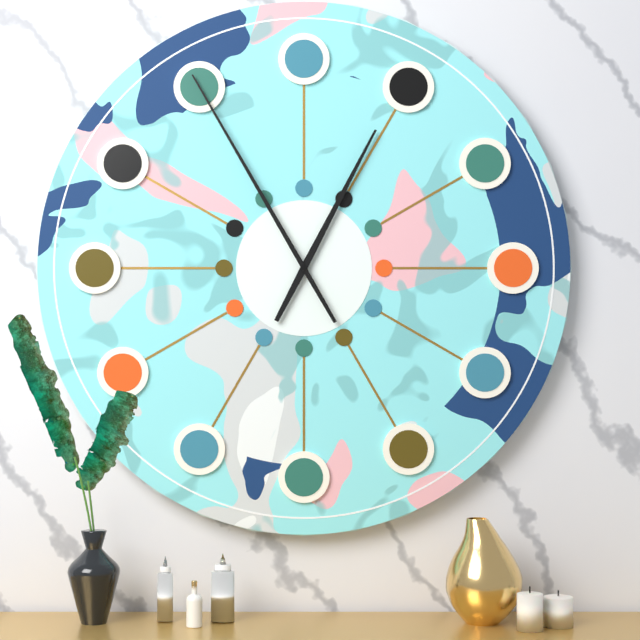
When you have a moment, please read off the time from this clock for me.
12:55
